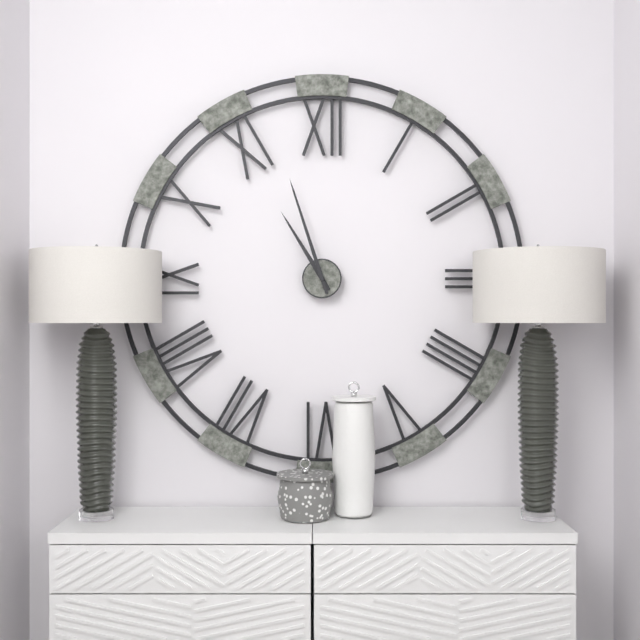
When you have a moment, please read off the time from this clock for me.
10:57
